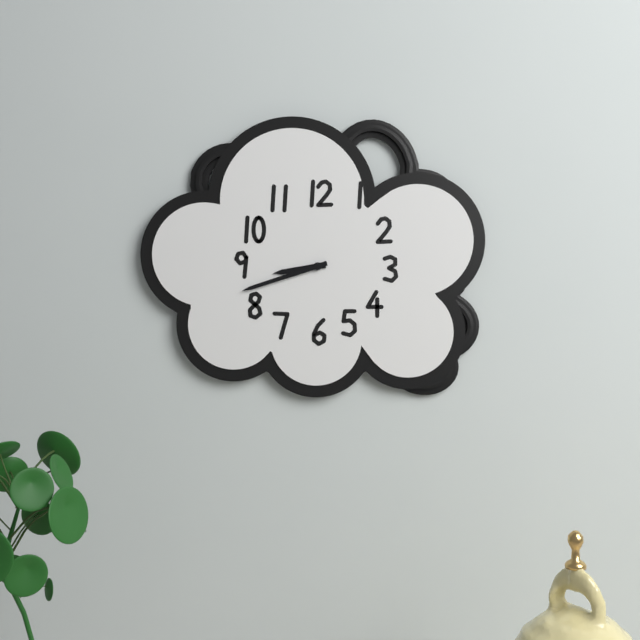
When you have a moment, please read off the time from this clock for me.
8:42
